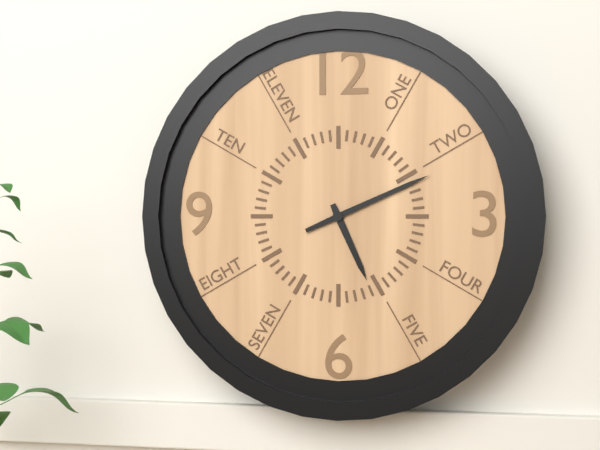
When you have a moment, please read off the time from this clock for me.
5:11
